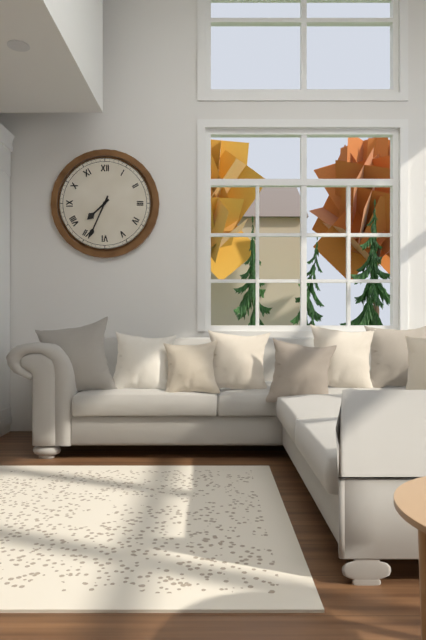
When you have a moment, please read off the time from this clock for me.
7:34
